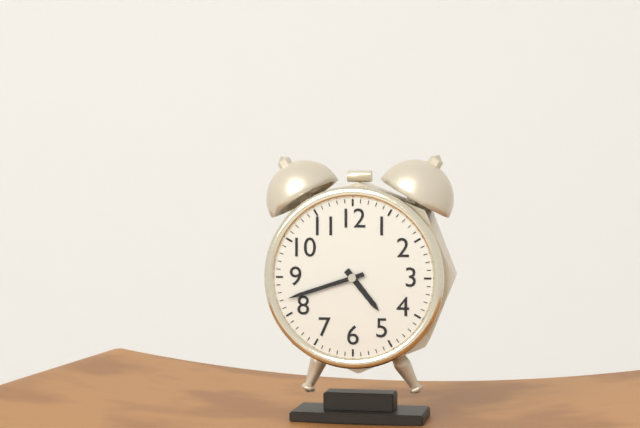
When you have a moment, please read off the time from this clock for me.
4:42
